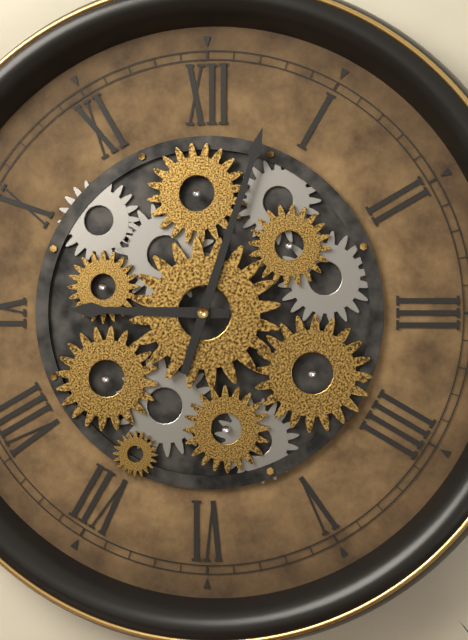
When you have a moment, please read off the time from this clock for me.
9:03
